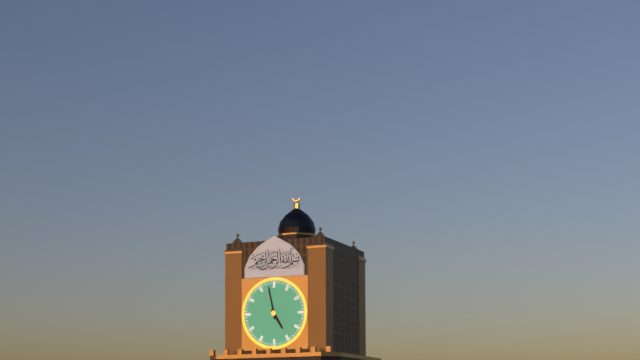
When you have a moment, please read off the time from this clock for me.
4:58
